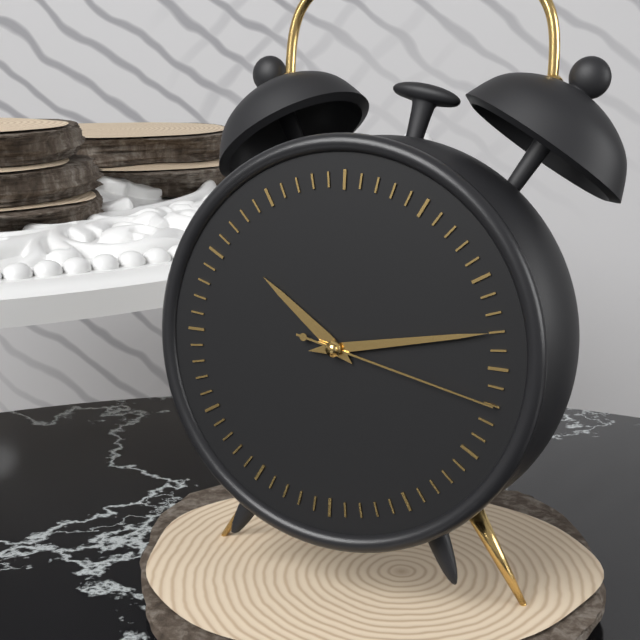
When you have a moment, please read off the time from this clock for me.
10:13:17
